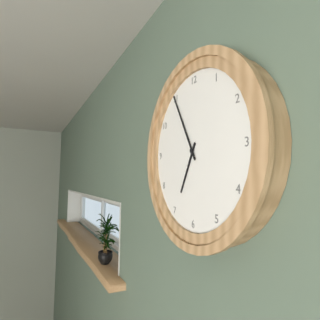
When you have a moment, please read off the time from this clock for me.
6:55
